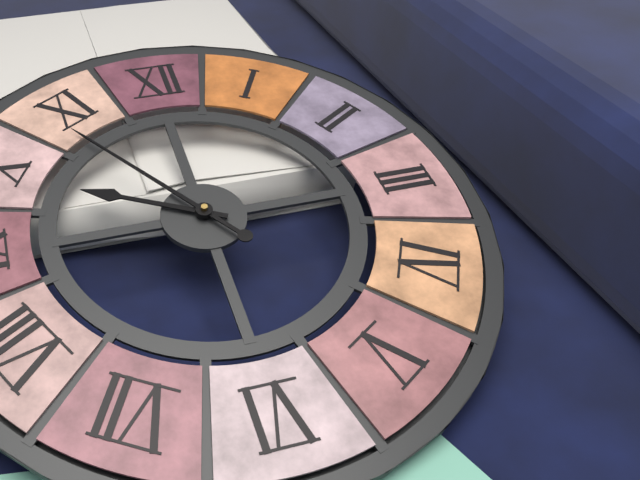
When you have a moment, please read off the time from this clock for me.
9:54
